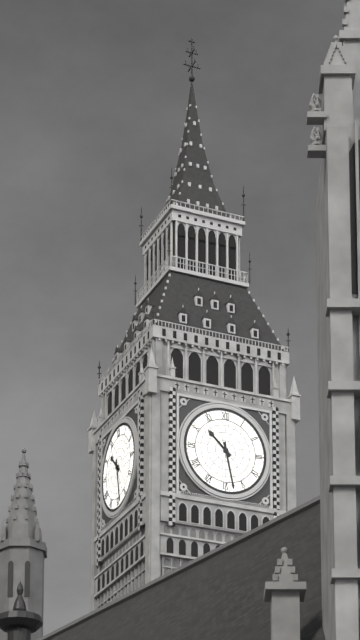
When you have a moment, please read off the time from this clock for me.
10:28
